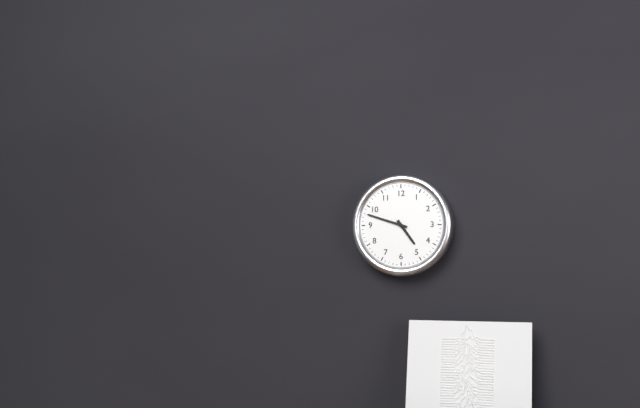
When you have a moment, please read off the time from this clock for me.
4:48
